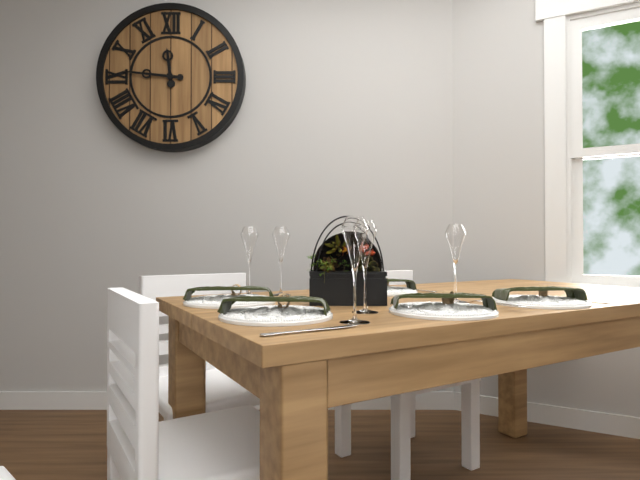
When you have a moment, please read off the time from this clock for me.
11:46
